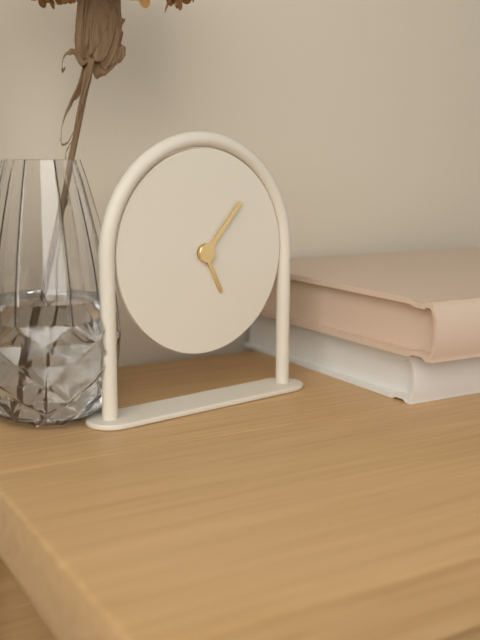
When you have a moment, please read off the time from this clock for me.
5:07
